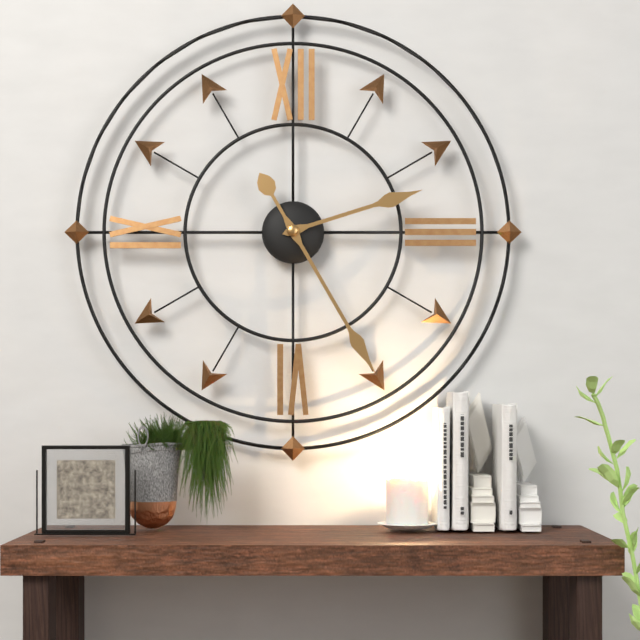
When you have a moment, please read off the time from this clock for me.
2:25
